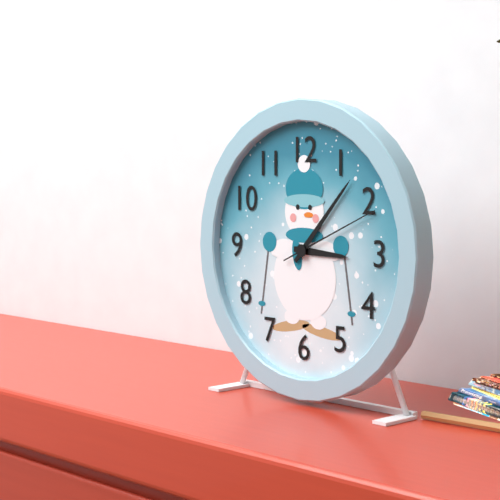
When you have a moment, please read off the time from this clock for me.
3:07:11
